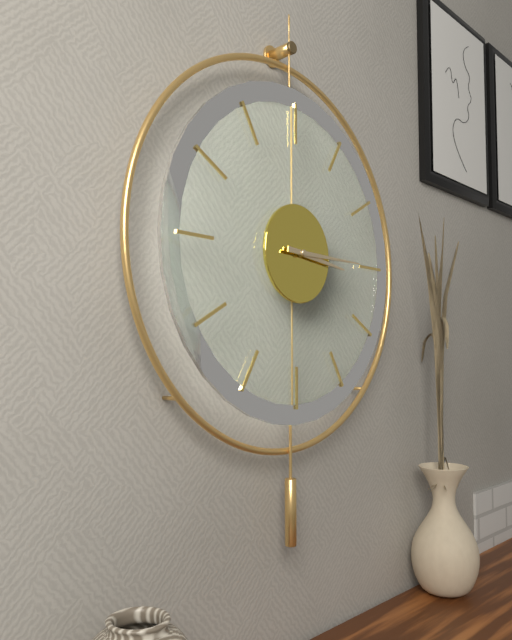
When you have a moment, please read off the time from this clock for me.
3:15
